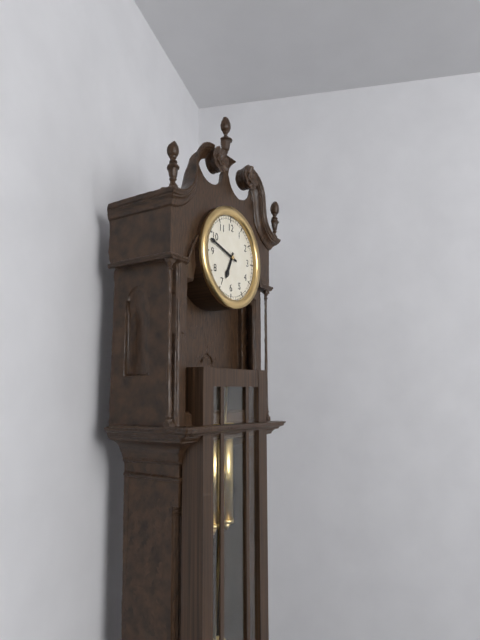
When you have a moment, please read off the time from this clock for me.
6:48
